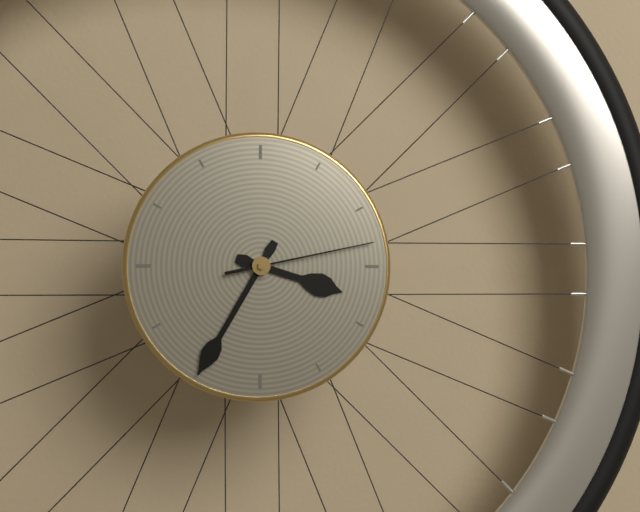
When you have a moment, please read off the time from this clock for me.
3:35:13
